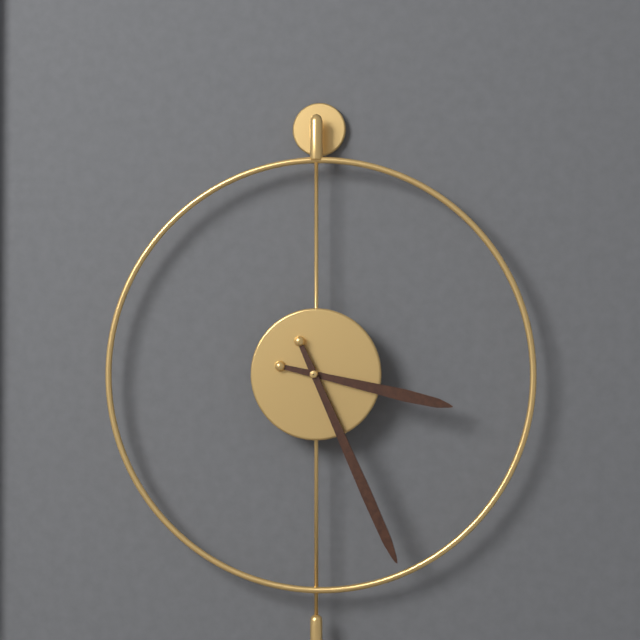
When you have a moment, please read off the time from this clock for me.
3:26
